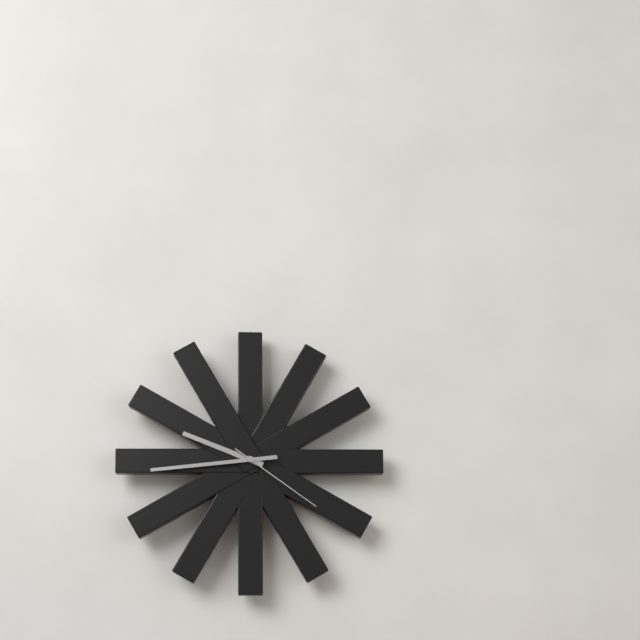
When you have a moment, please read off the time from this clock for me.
9:44:21
